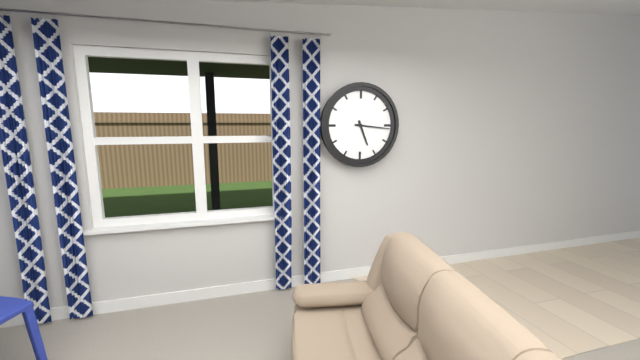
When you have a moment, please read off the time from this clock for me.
5:16
